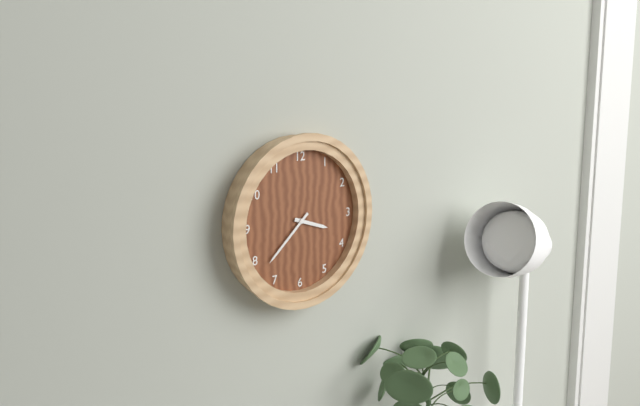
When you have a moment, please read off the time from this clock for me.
3:38
